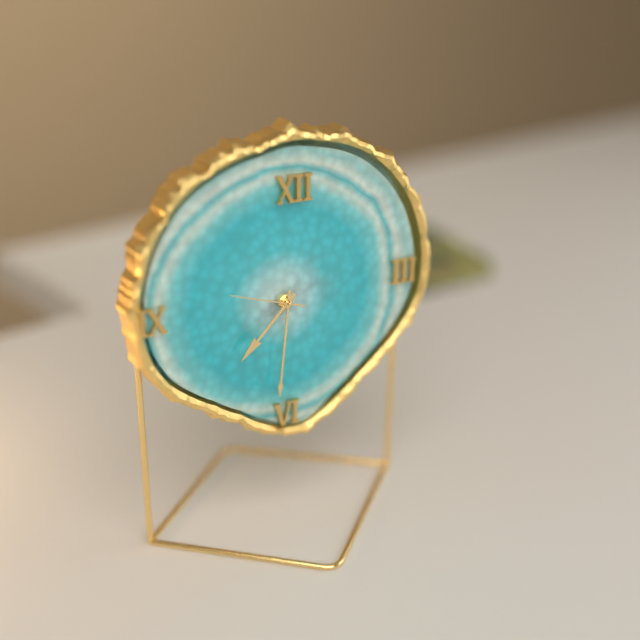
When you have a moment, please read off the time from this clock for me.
7:31:48
